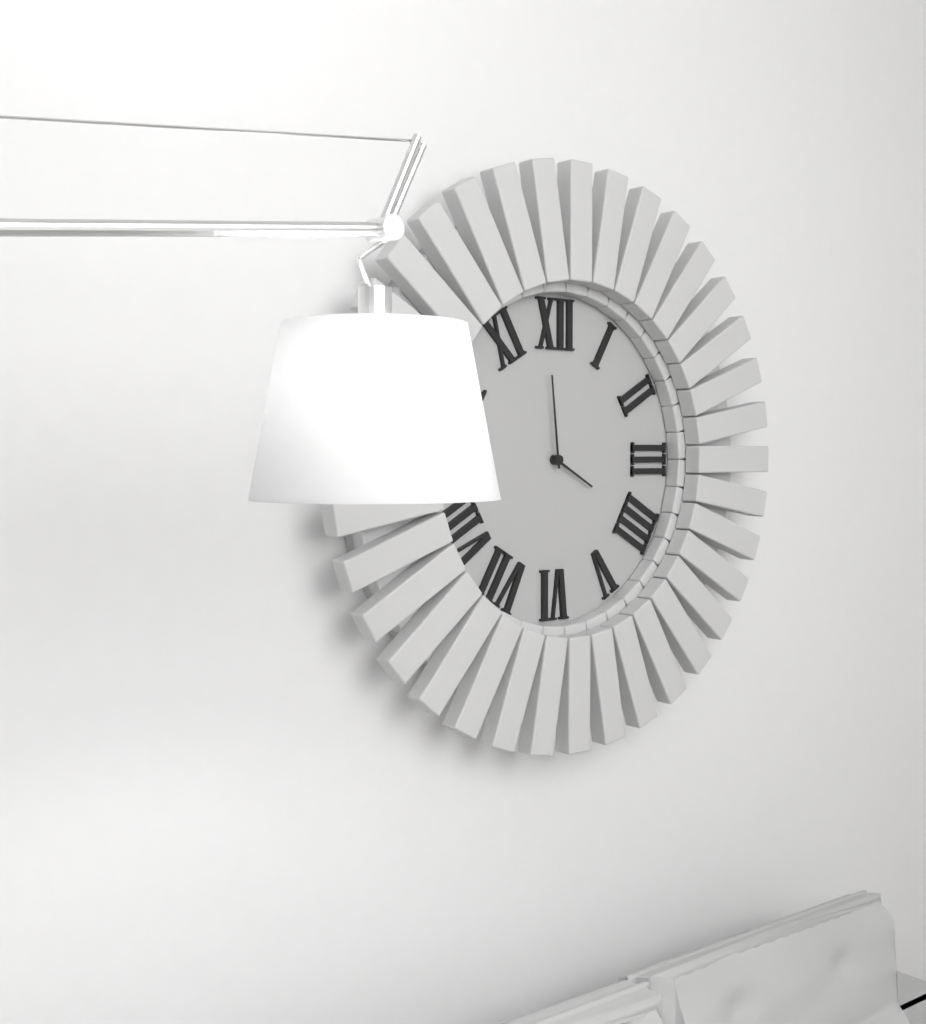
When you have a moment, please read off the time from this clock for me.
3:59
